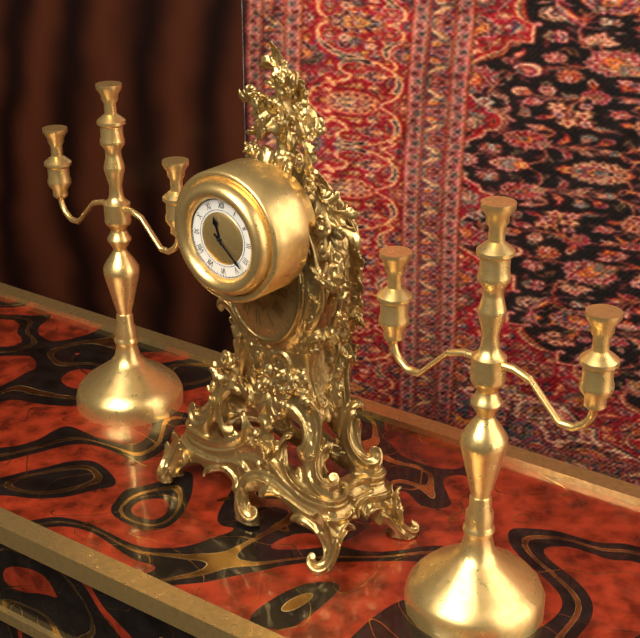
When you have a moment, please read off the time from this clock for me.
11:22
